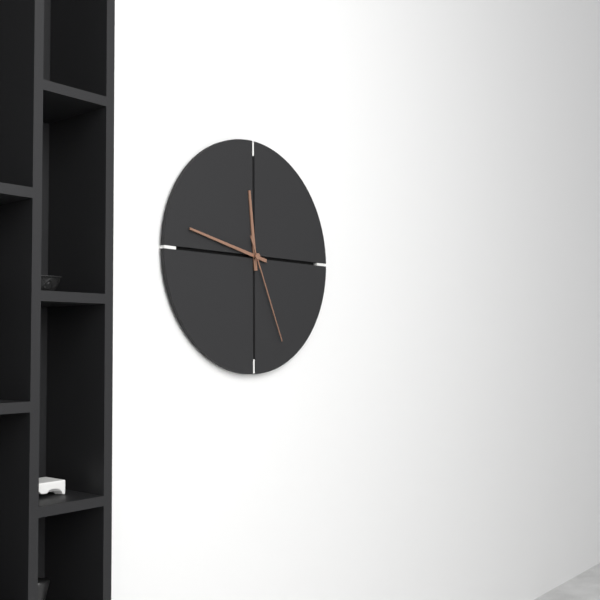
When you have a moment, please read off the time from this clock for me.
11:47:26
